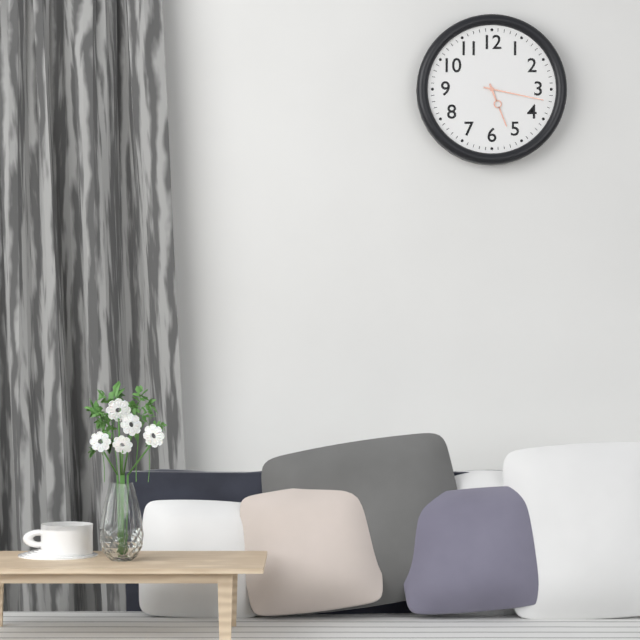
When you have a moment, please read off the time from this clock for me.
5:17
